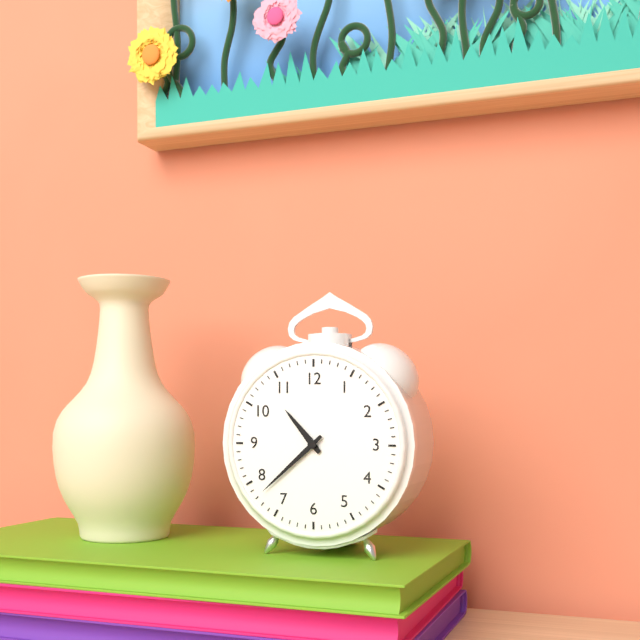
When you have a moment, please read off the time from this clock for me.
10:38
